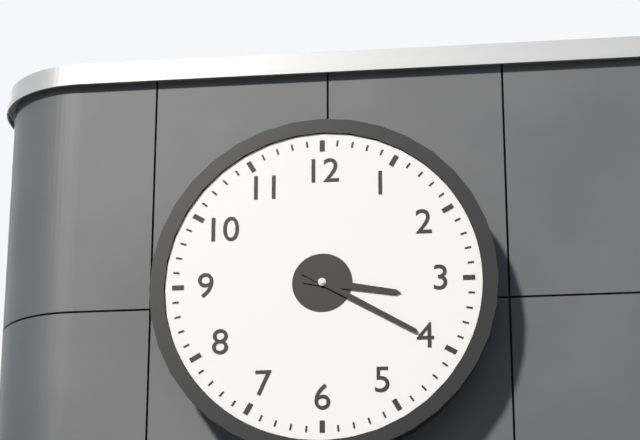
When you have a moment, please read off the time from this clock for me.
3:20
